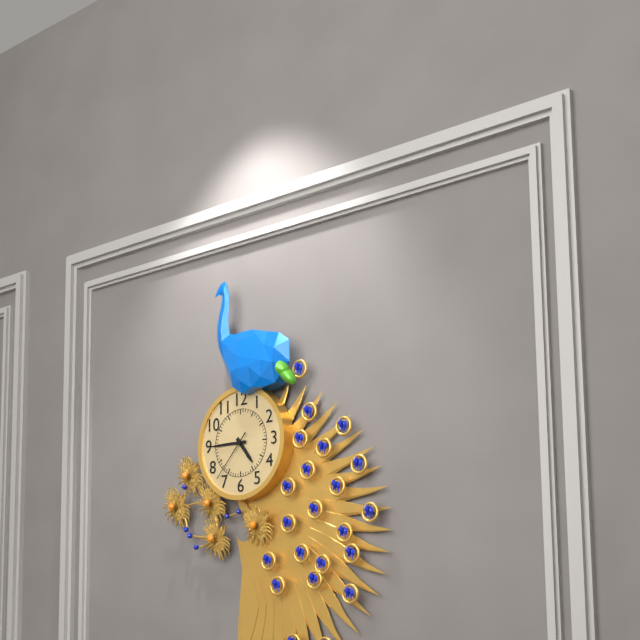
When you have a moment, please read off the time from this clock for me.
4:45:37
